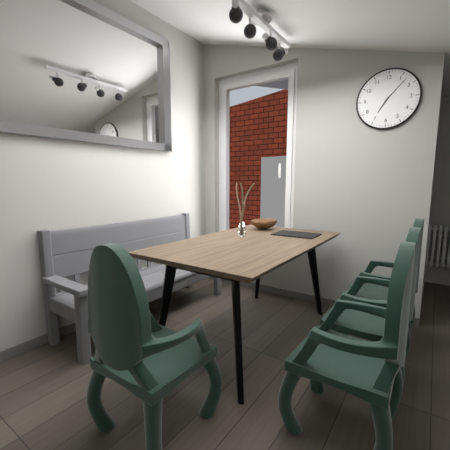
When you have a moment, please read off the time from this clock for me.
7:07
